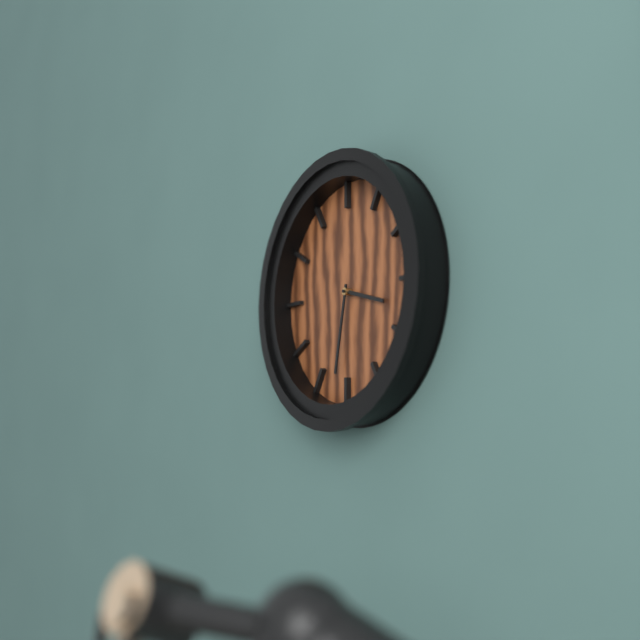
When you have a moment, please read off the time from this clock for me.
3:32
